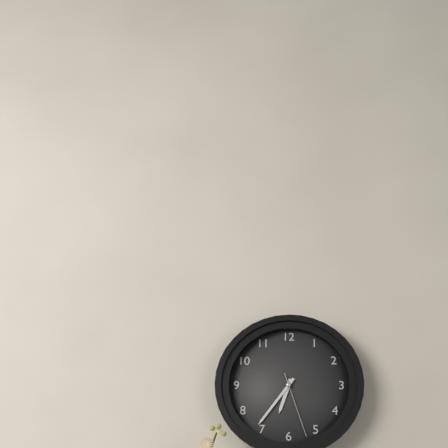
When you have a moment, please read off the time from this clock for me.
6:36:27
